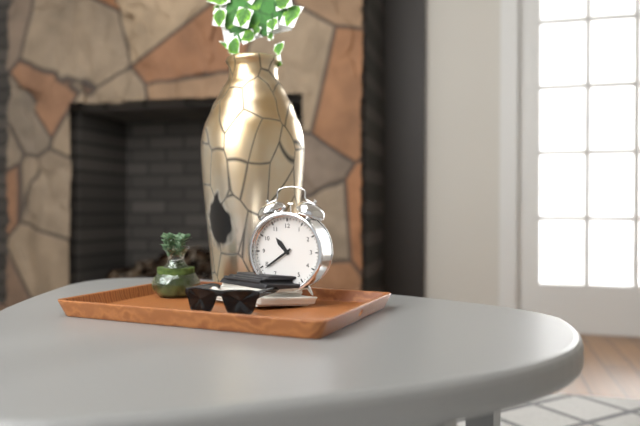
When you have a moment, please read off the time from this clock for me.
10:39
